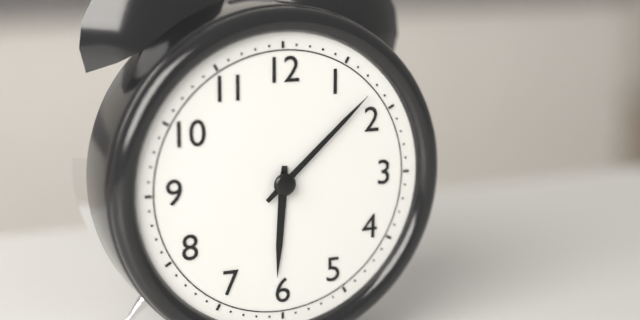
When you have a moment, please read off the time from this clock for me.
6:08
